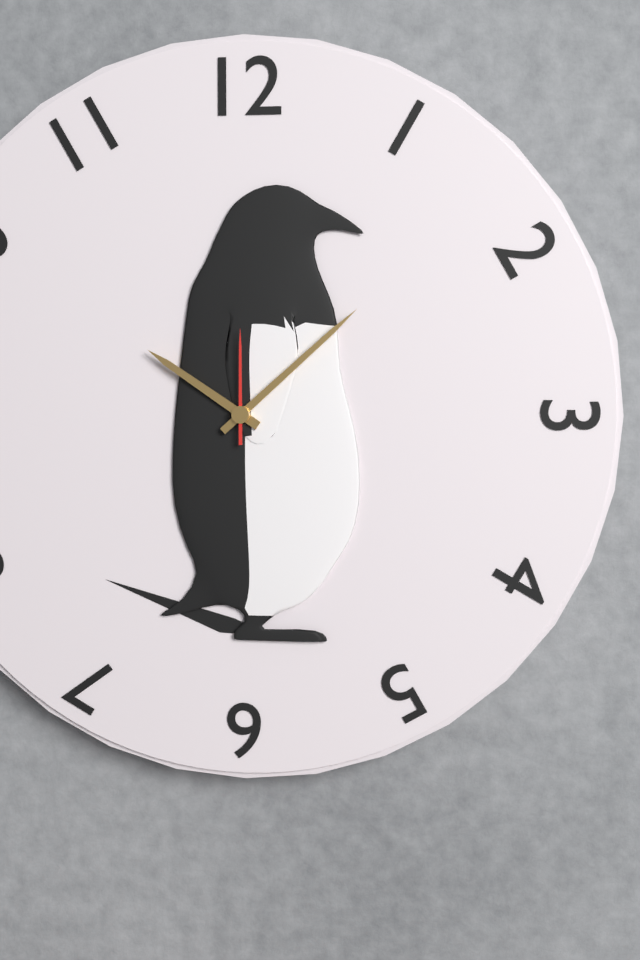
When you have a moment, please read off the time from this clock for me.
10:08:00
